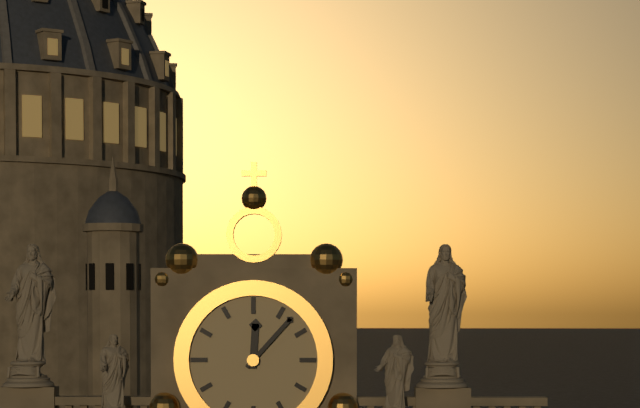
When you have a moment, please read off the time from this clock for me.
12:07
